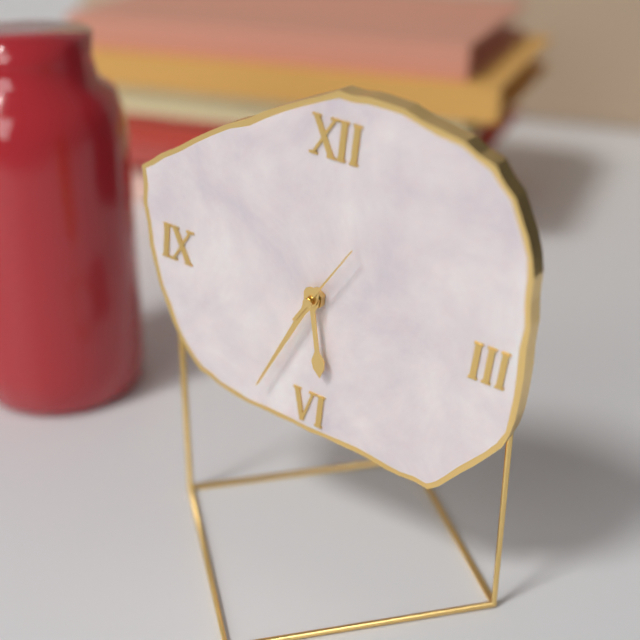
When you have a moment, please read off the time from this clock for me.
5:34:05
